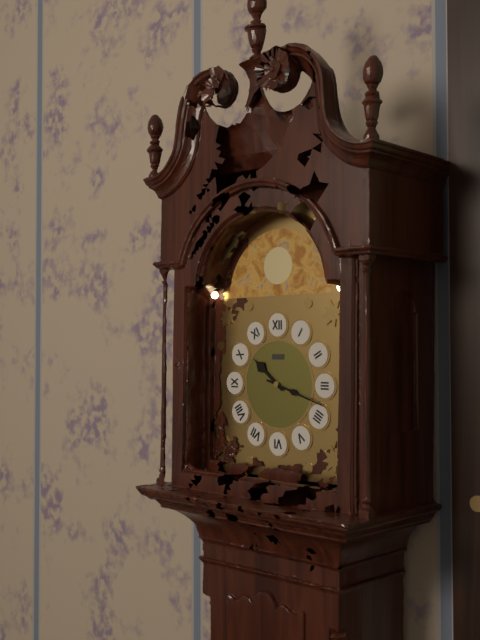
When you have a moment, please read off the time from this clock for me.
10:18
